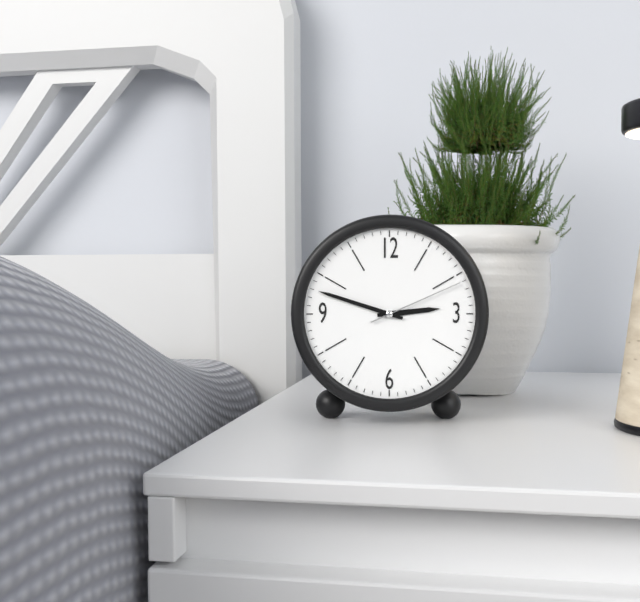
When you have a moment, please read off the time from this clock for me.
2:48:11
